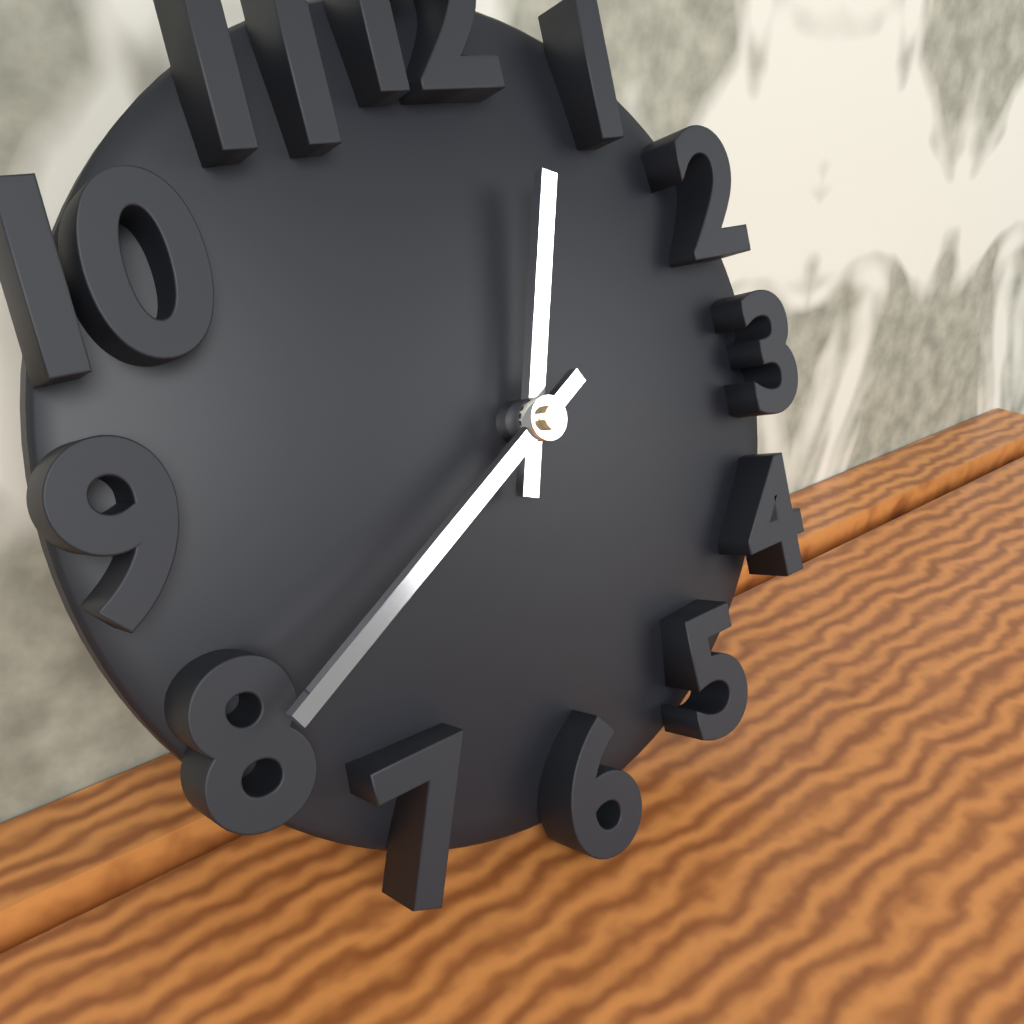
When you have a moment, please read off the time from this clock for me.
12:40
